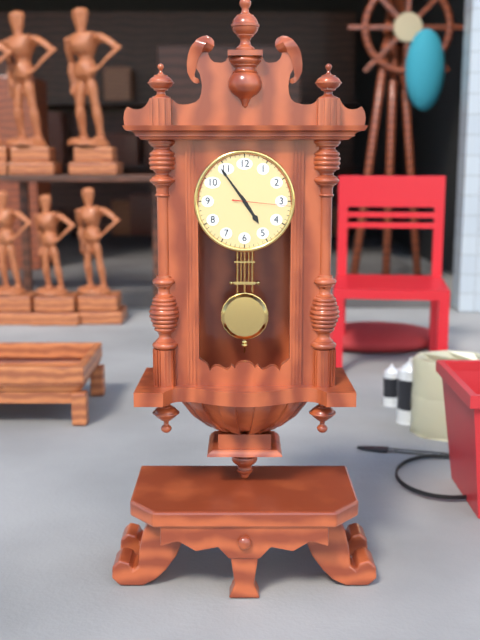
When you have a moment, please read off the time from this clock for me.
4:54:16
